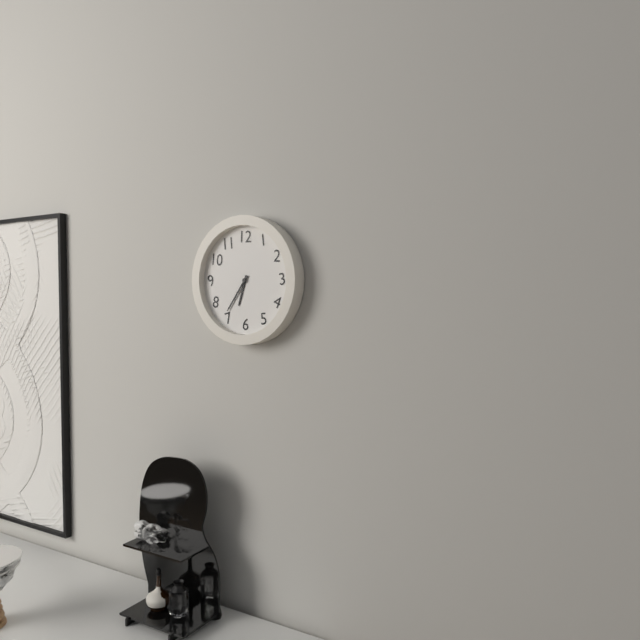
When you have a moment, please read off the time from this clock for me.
6:36
